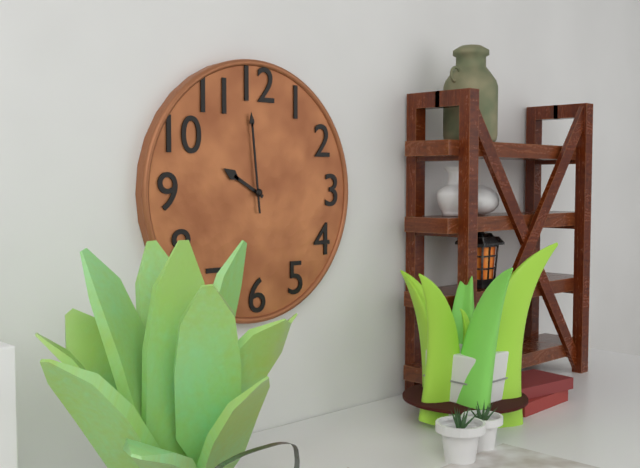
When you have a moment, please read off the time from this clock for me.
9:59
